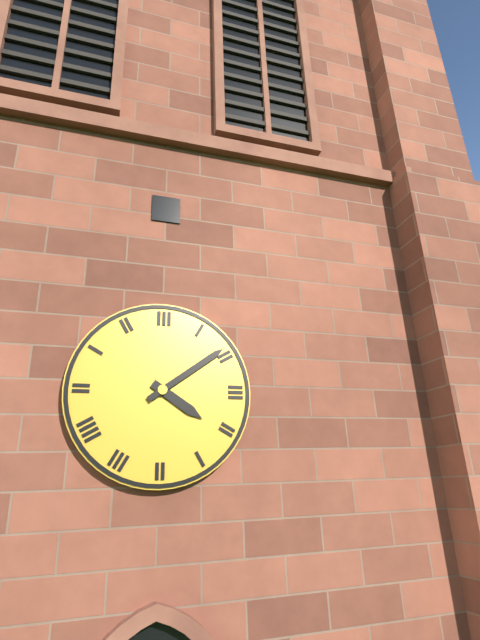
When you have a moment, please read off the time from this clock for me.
4:09
